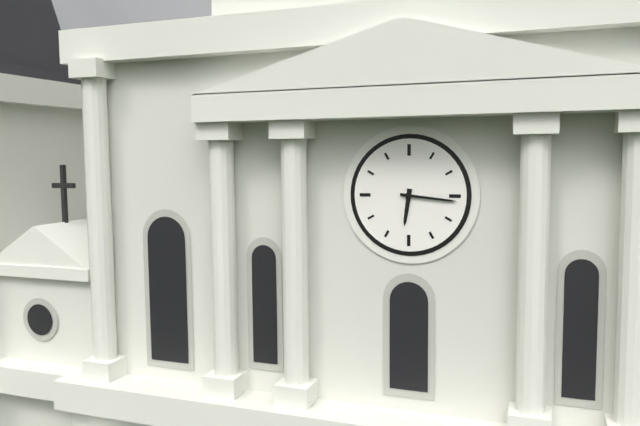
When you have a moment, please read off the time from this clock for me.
6:16
